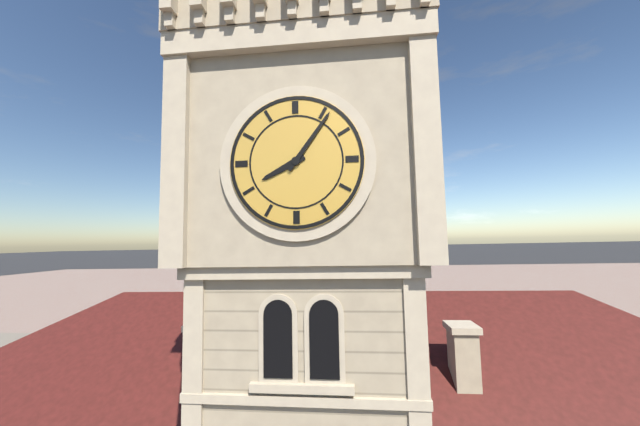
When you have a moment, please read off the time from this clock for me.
8:06
